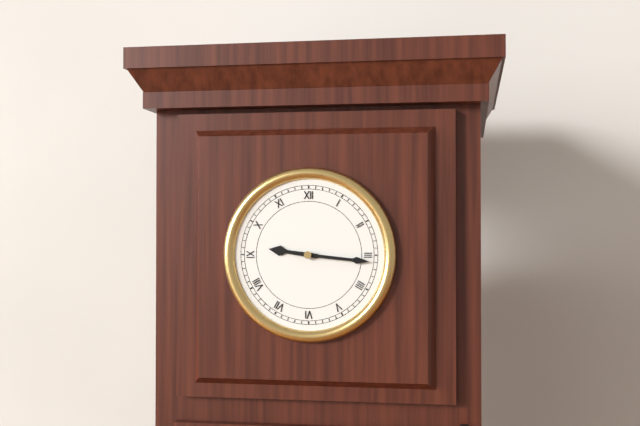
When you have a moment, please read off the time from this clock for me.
9:16
